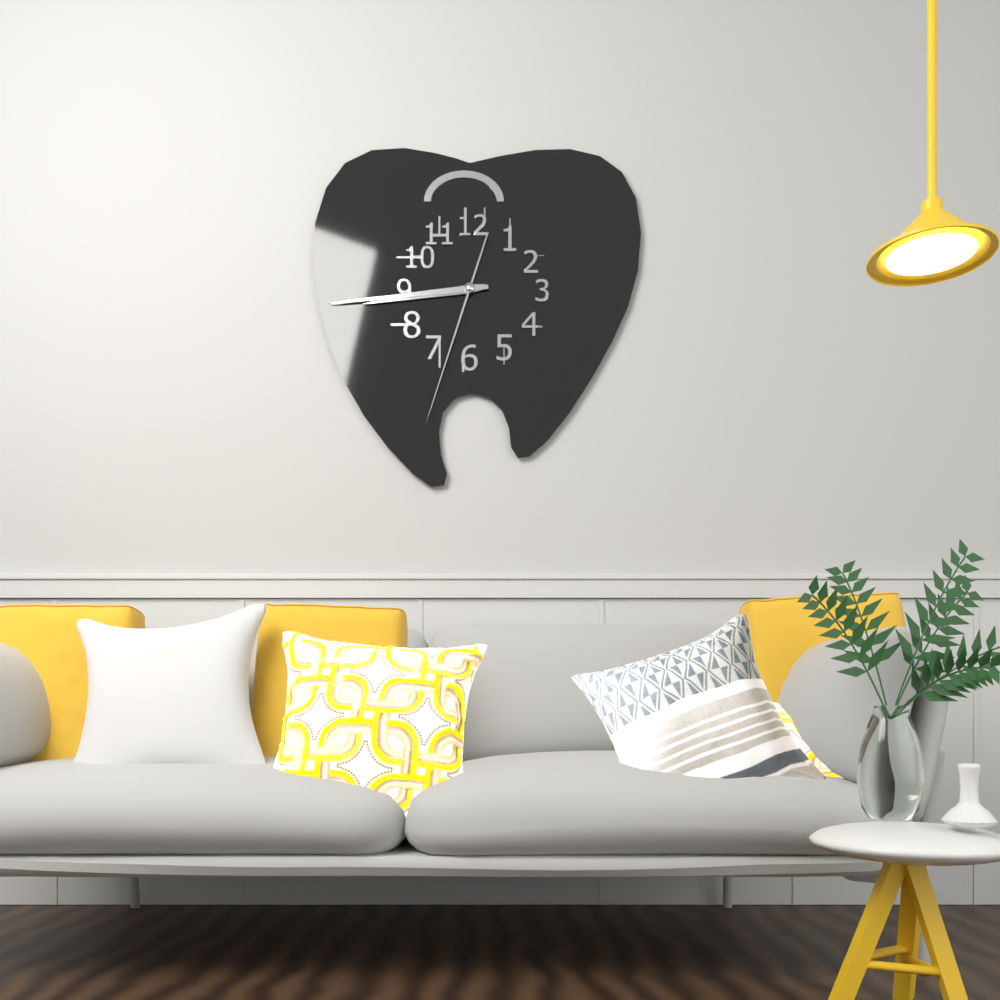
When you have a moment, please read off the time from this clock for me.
8:44:33
